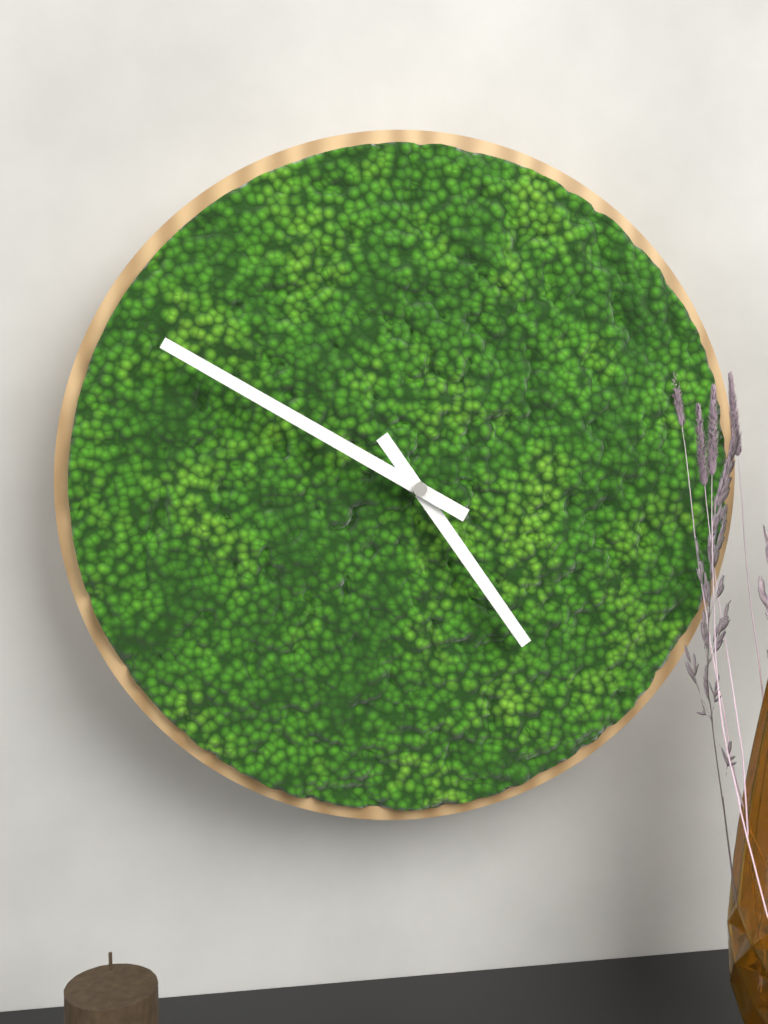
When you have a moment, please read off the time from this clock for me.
4:50
